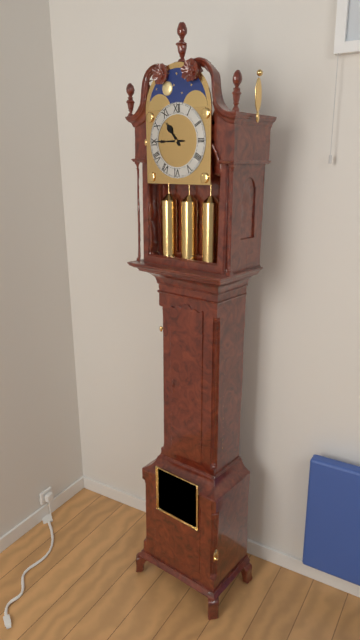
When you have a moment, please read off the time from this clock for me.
10:45
